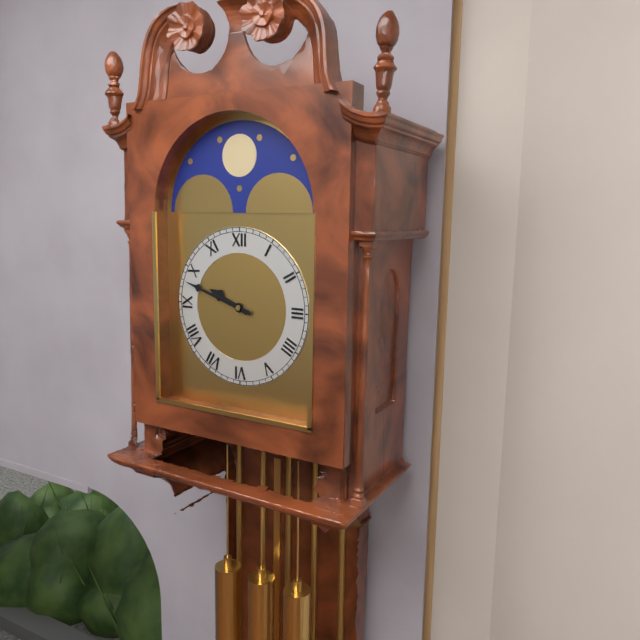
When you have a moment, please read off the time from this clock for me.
9:48
